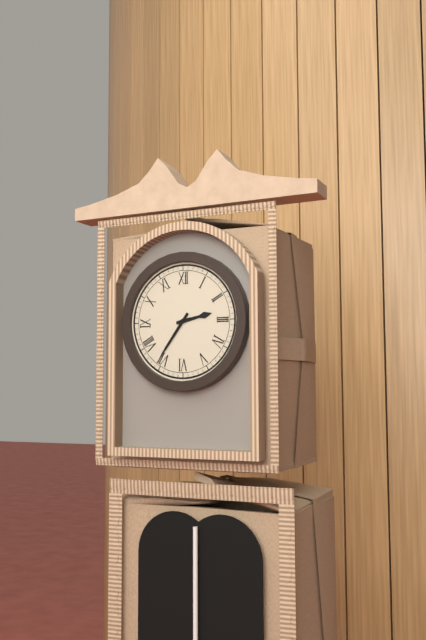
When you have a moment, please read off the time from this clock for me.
2:36
